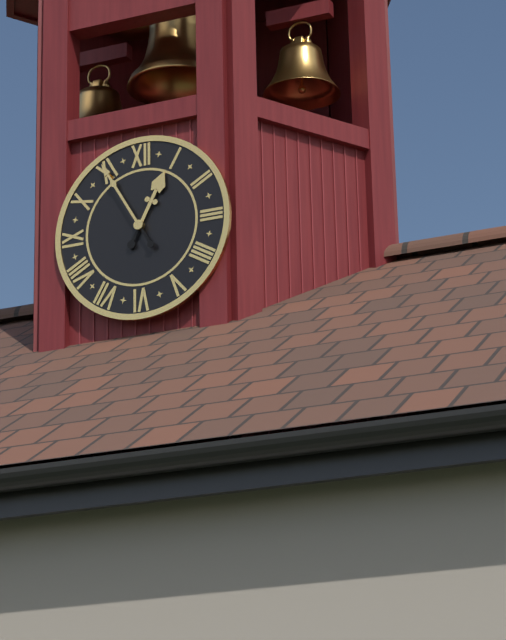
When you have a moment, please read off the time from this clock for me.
12:55
